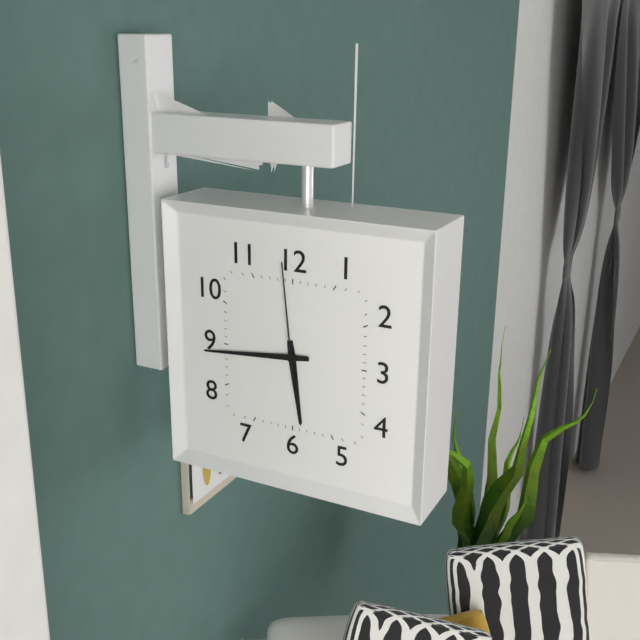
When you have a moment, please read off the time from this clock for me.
5:44:59
